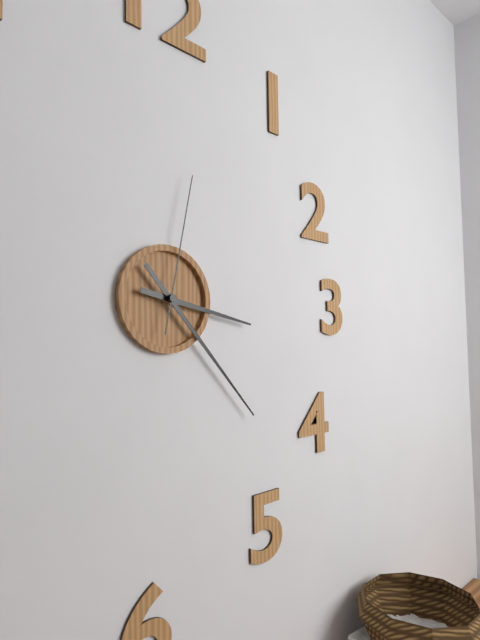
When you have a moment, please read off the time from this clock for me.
3:23:02
